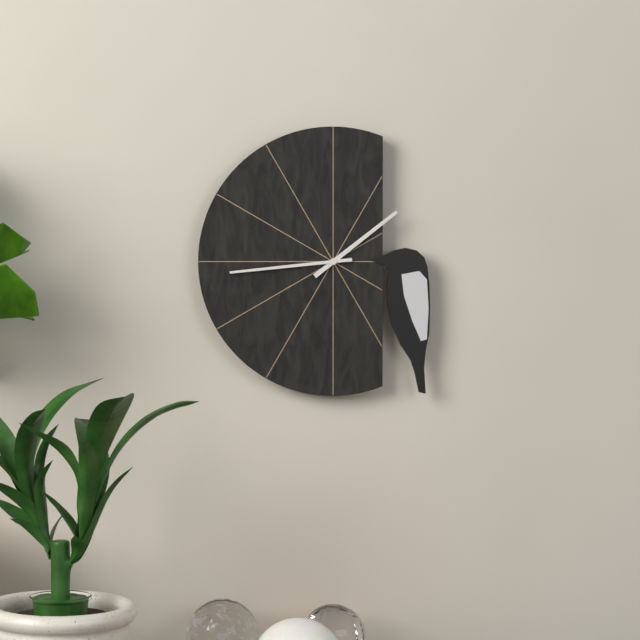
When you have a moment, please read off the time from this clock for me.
1:44
